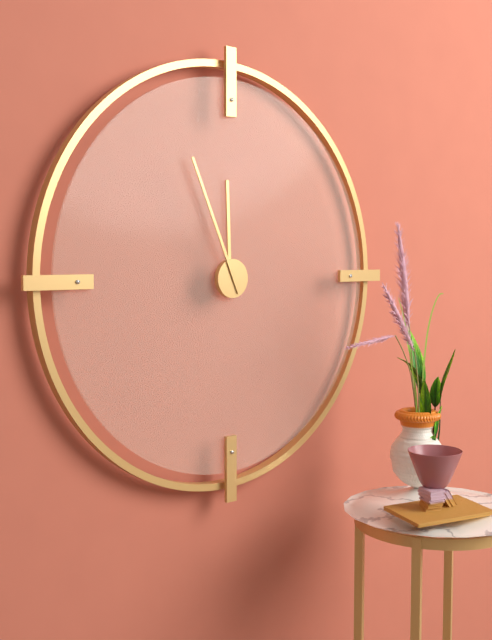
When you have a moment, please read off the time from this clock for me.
11:56
